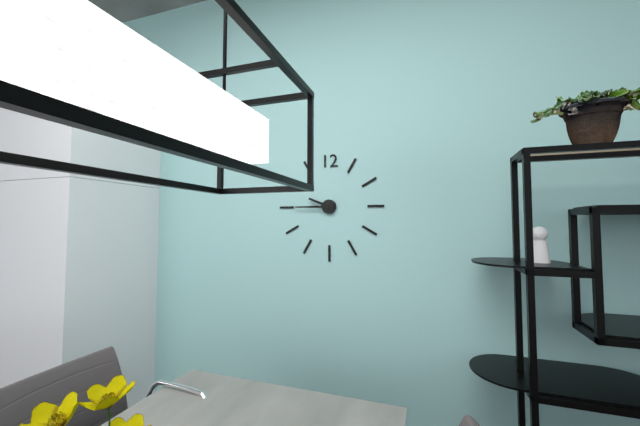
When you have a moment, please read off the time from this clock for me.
9:45
